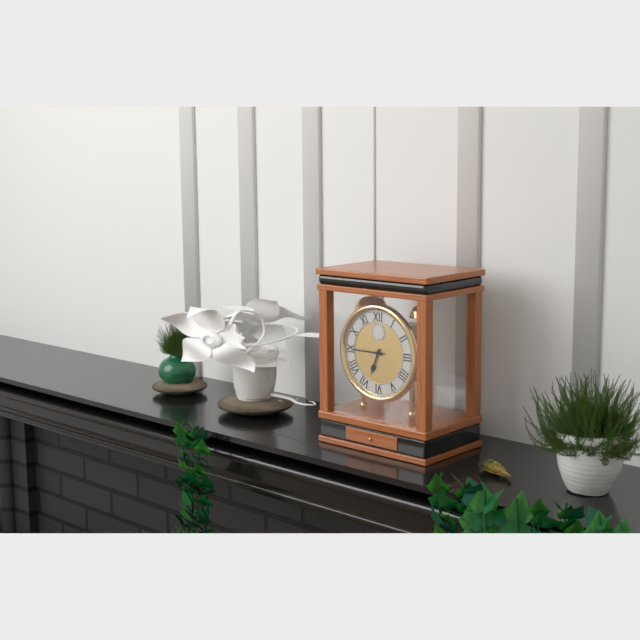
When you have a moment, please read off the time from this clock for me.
6:45
